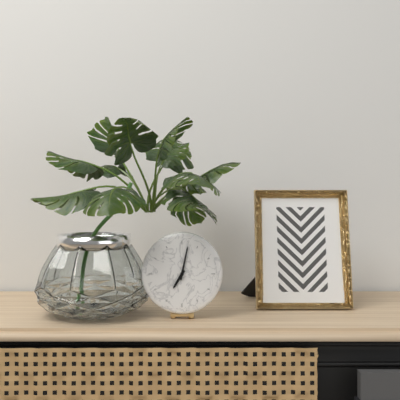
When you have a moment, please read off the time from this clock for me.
7:02
